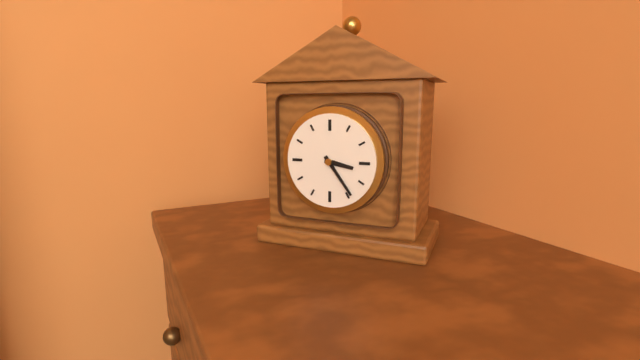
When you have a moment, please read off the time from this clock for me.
3:24
